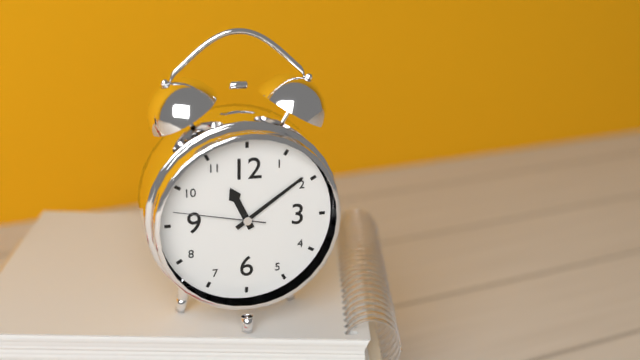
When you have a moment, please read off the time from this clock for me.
11:09:47
